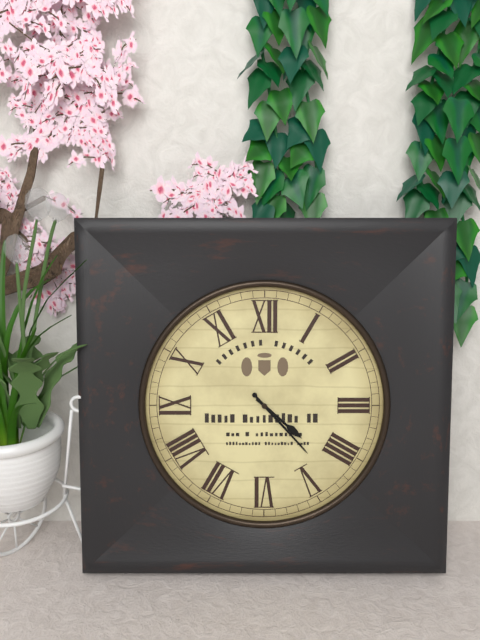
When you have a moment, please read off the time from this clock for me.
4:23
